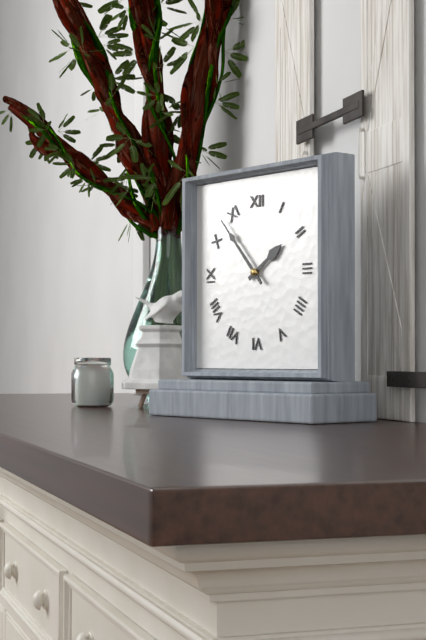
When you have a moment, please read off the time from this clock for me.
1:53
